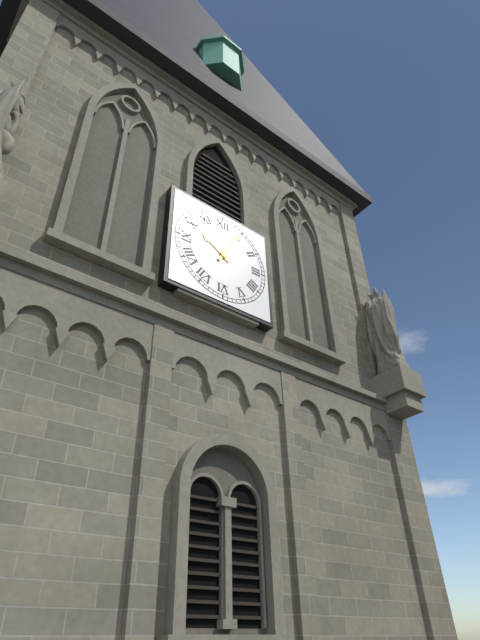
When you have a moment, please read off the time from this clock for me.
10:05
